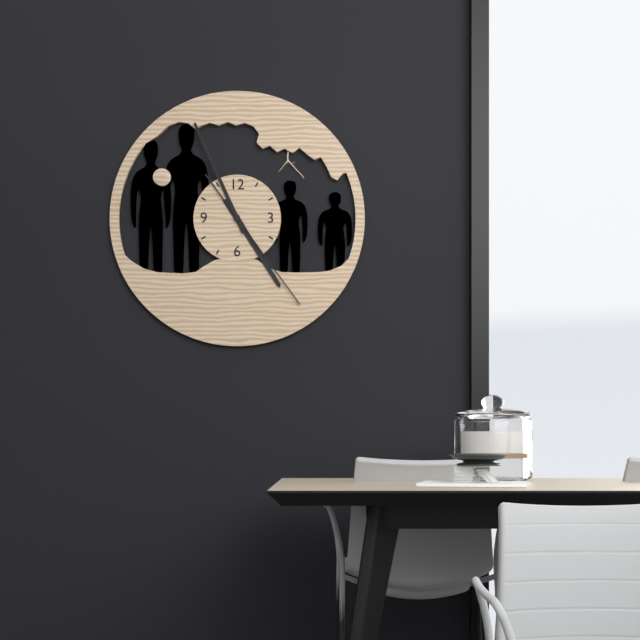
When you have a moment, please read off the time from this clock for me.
4:56:24
